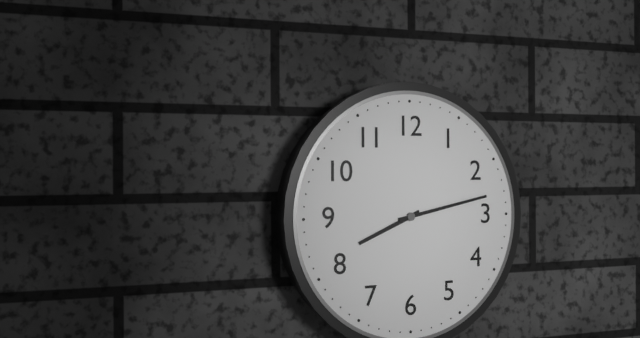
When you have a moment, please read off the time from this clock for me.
8:13
